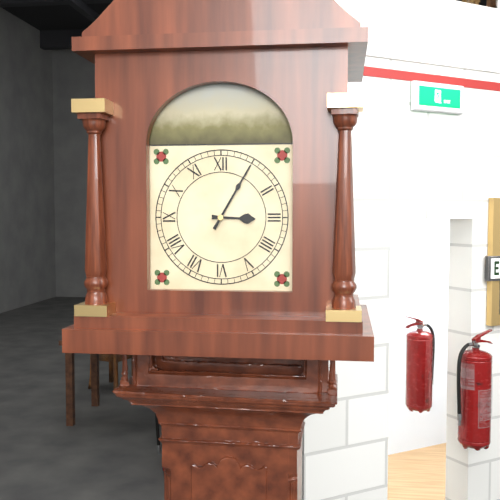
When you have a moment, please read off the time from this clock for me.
3:05
